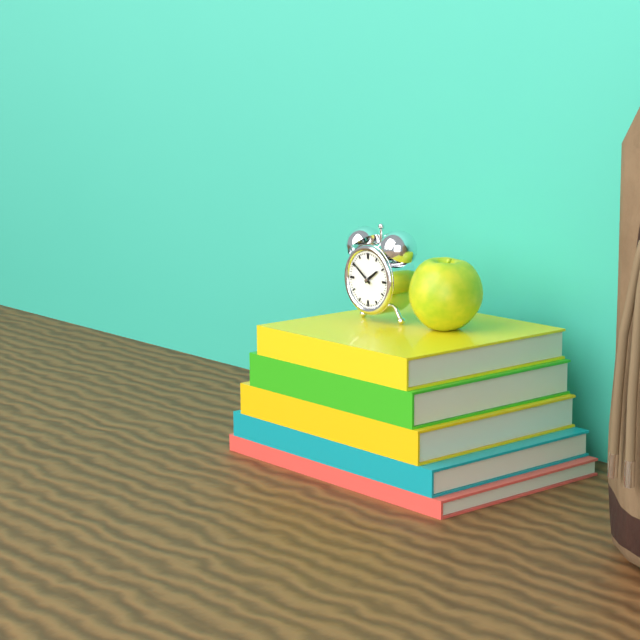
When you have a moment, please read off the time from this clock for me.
1:51
